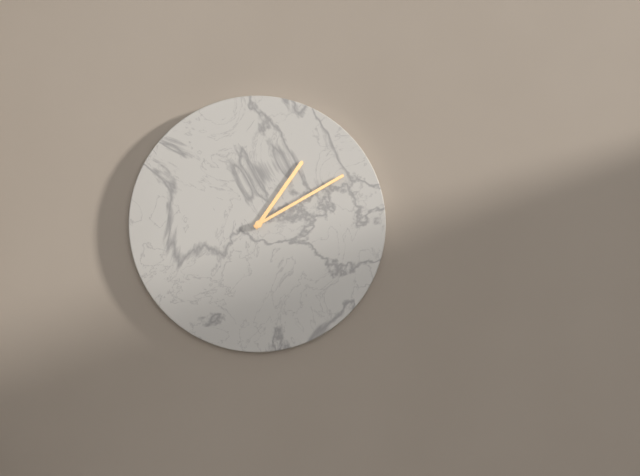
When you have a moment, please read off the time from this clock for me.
1:10
